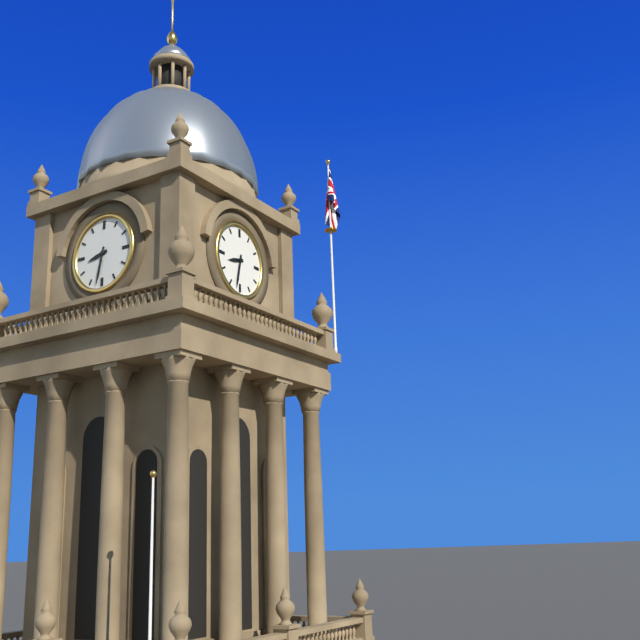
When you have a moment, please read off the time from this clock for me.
8:32
